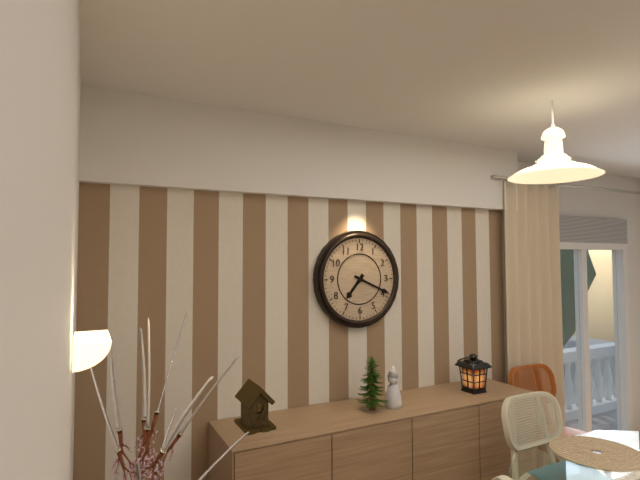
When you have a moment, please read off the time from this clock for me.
7:19
